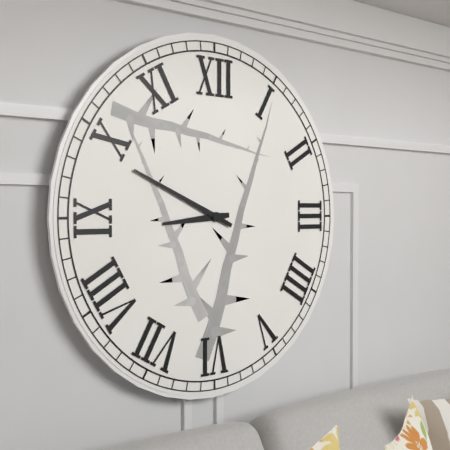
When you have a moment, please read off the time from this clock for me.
8:49
